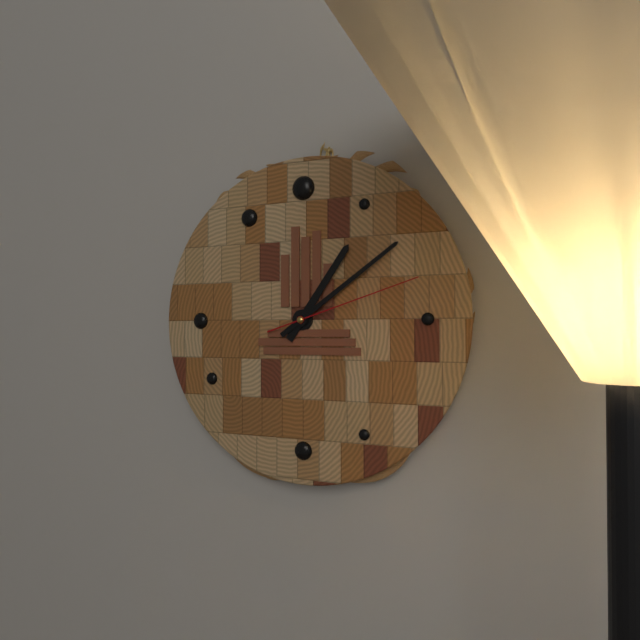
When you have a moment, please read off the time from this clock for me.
1:09:12
